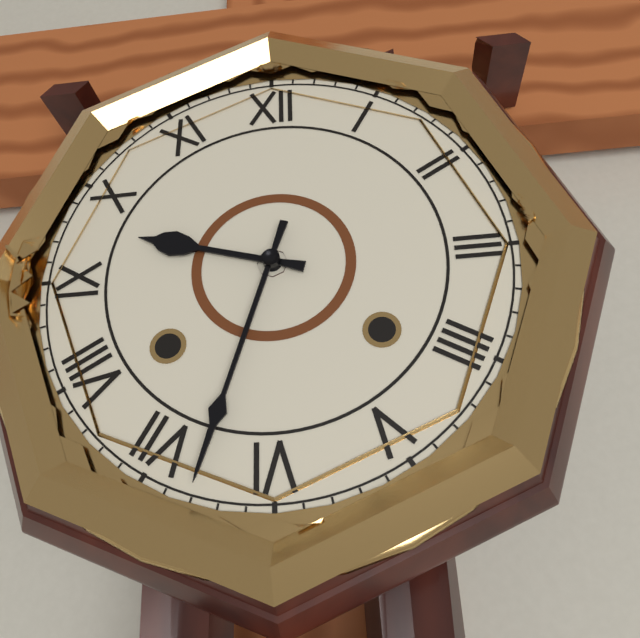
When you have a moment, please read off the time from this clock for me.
9:33
